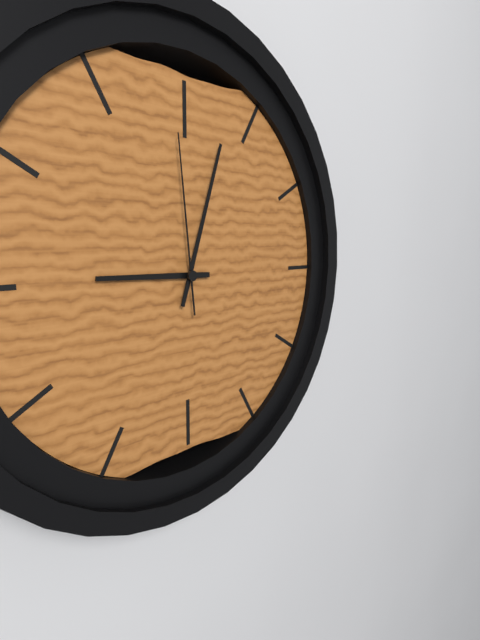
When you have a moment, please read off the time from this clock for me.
9:03:59
